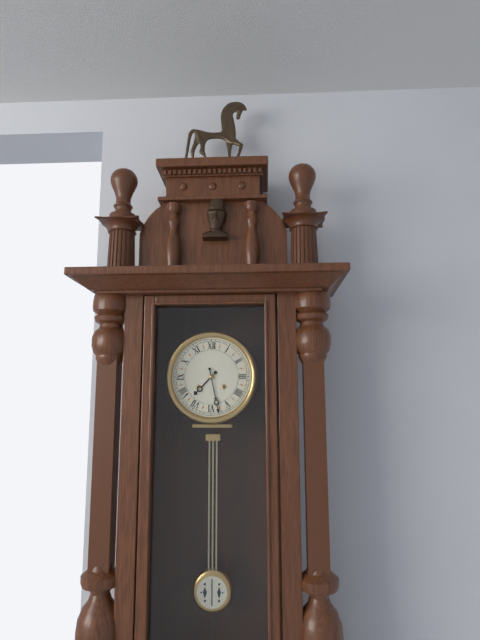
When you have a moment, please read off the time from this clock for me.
7:28
